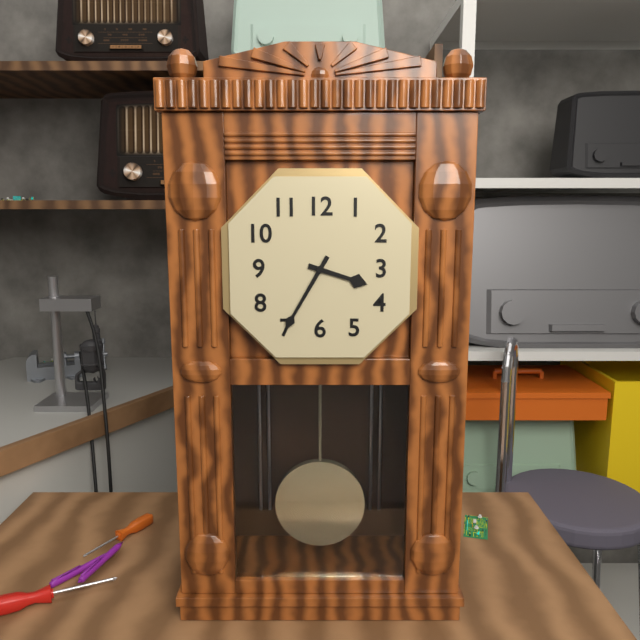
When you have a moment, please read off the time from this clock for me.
3:35
